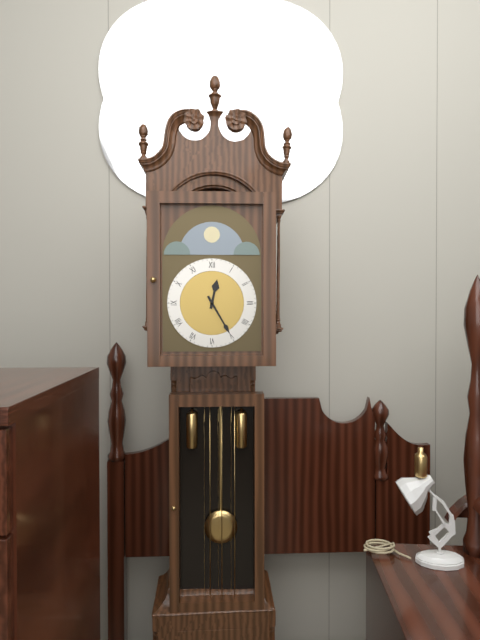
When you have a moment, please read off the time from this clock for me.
12:25
